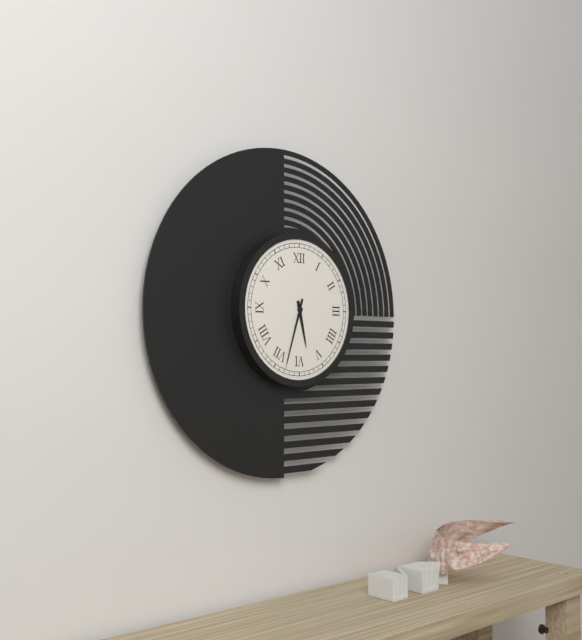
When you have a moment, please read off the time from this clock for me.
5:33
